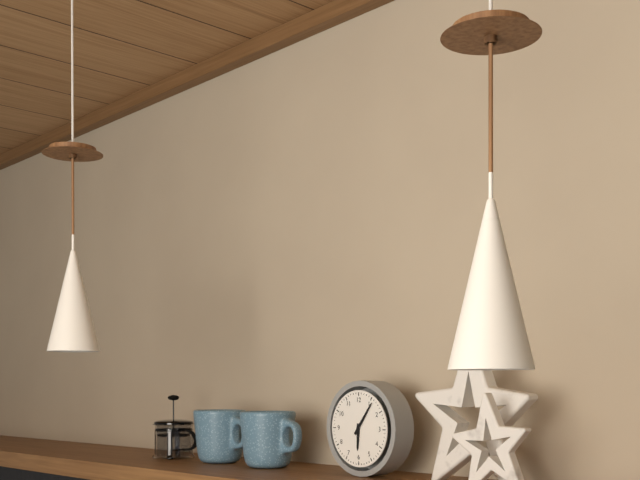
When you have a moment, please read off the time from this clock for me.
6:06
